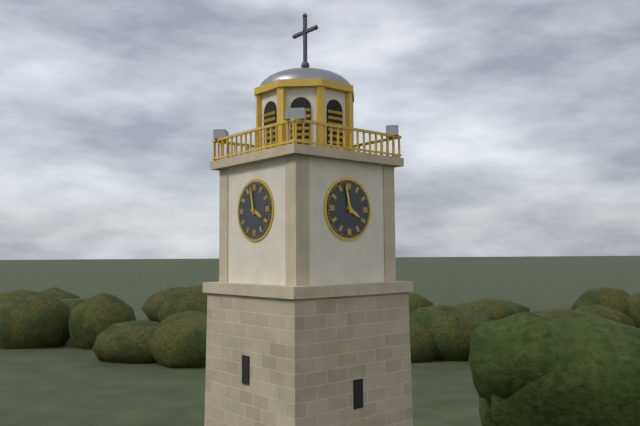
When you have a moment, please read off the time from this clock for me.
3:58
